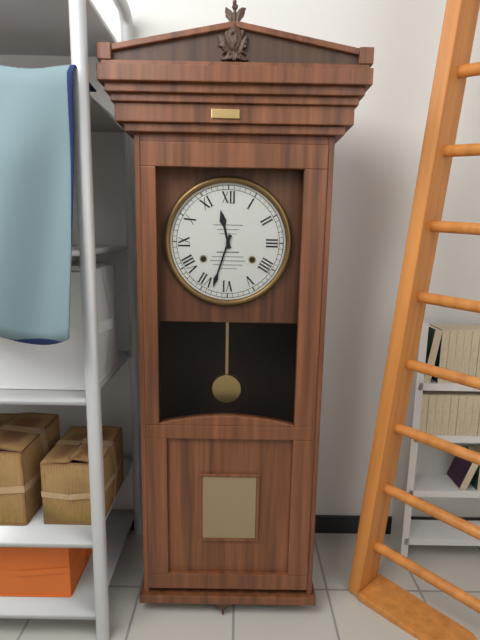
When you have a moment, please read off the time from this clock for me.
11:33
